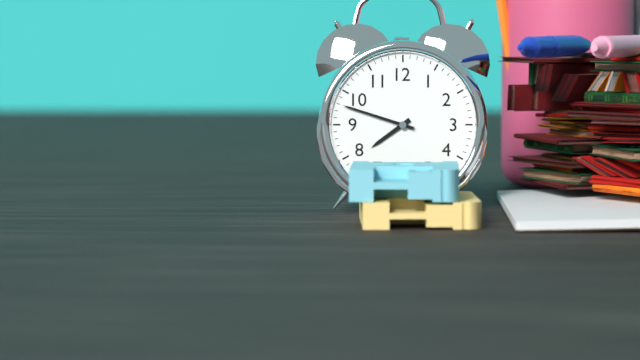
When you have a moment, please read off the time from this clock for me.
7:48
